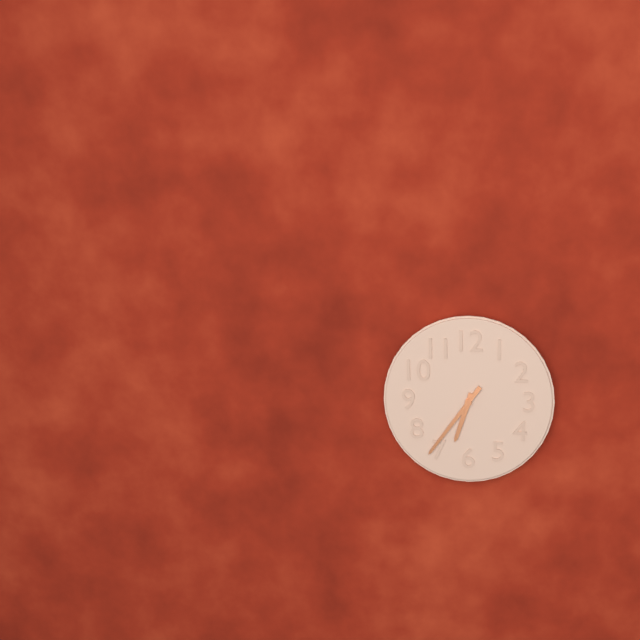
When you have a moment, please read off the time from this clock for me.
6:36
